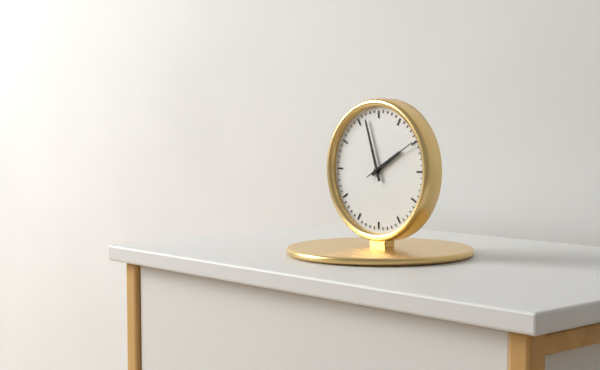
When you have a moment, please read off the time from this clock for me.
1:57:10
